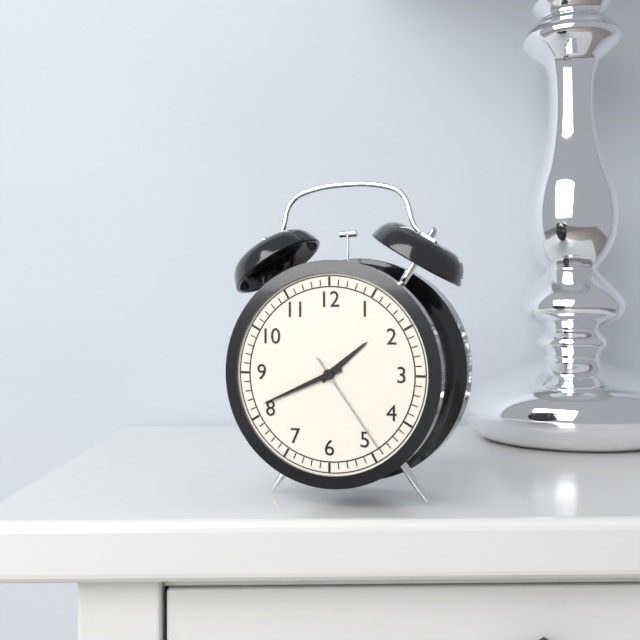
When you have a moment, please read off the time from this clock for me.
1:41:24
